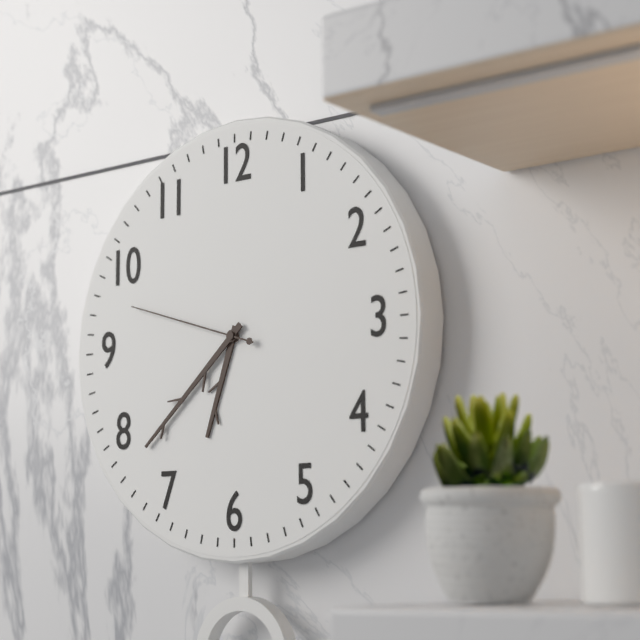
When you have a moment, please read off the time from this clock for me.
6:38:48
